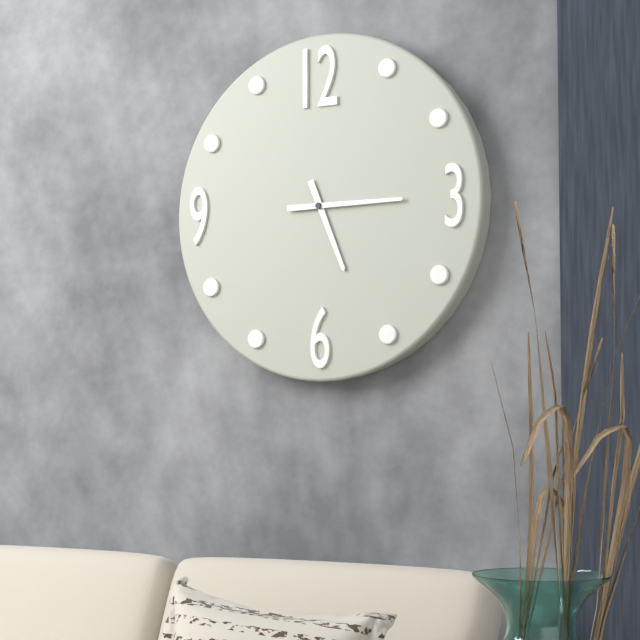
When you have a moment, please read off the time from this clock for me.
5:15
